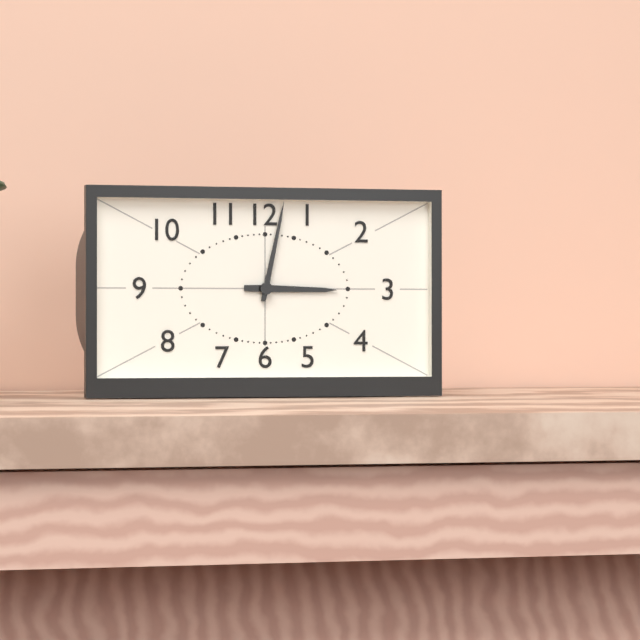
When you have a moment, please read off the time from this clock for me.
3:02
